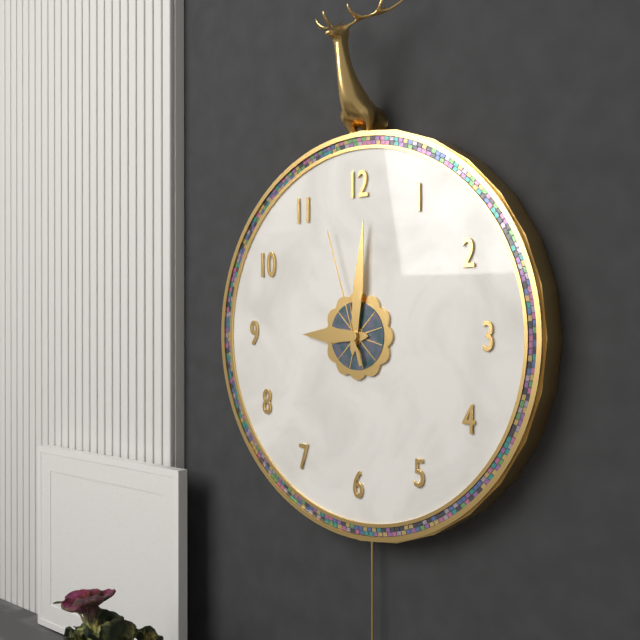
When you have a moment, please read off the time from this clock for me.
9:01:57
